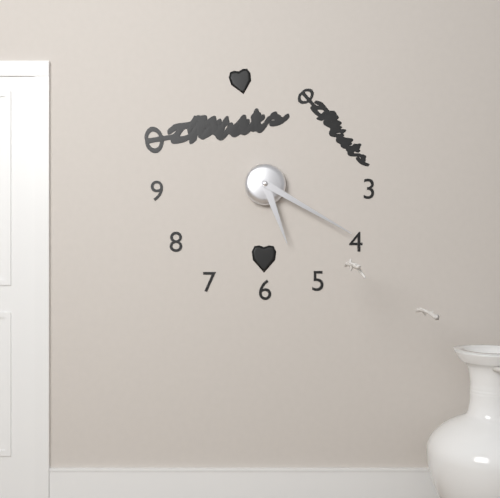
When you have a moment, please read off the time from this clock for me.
5:20
